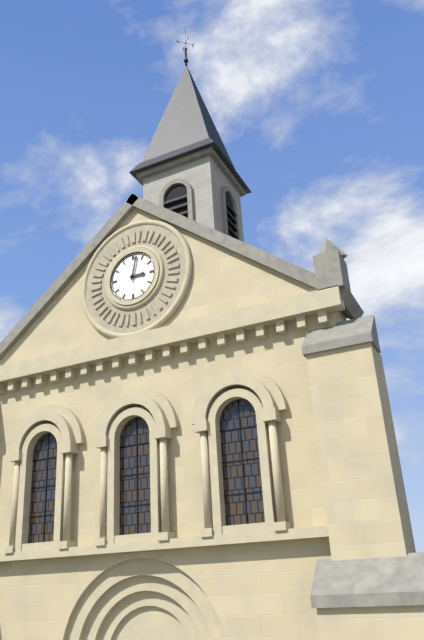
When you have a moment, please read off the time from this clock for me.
3:02
